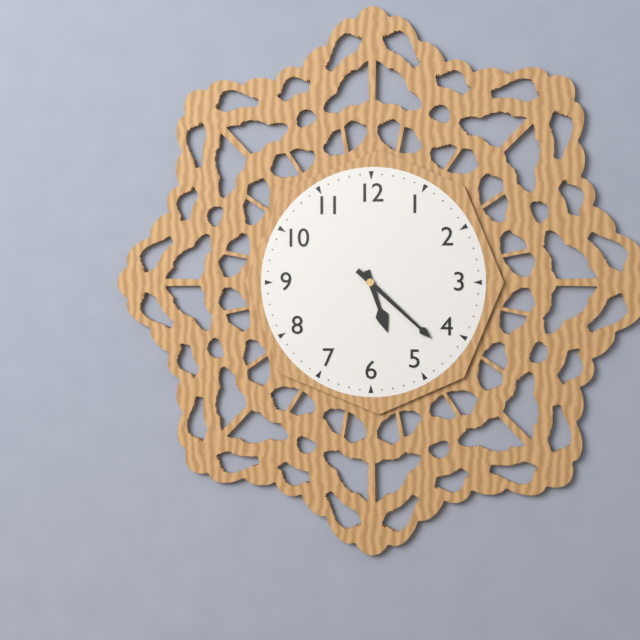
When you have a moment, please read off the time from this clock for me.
5:22
